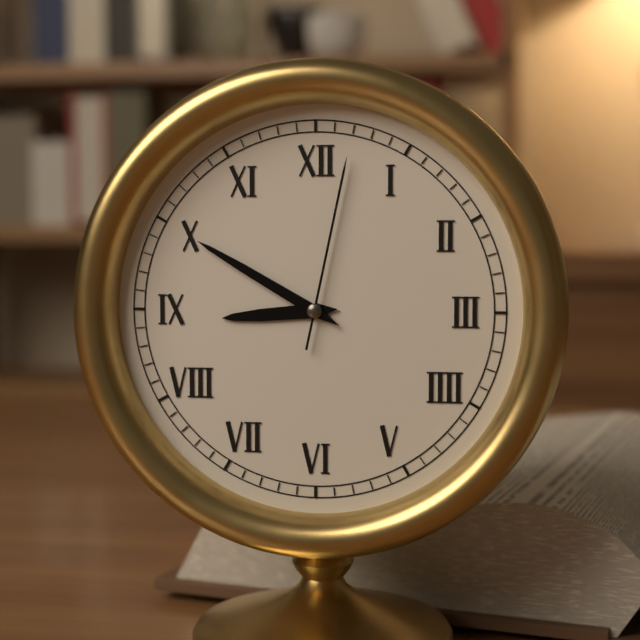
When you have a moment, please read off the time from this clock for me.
8:50:02
